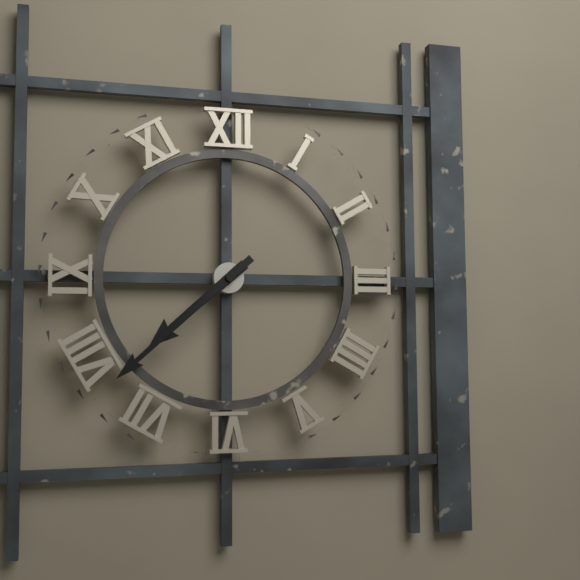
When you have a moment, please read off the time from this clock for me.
7:38
